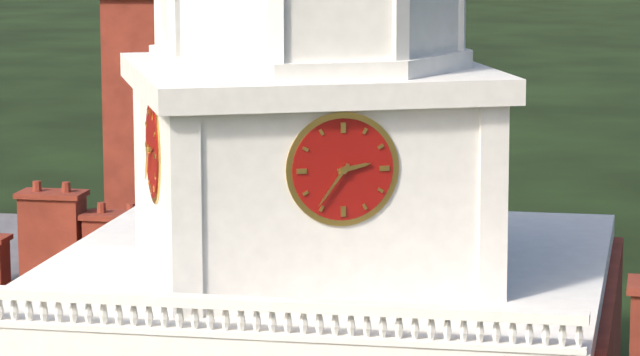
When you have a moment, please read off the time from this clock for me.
2:36
